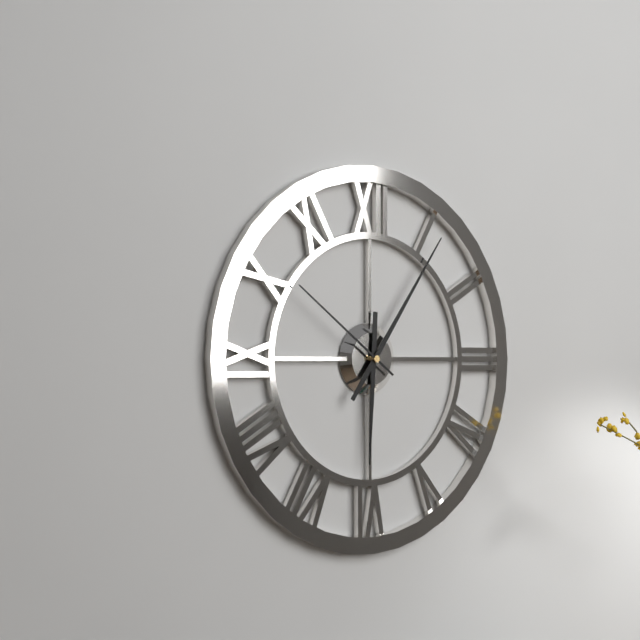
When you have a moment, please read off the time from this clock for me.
6:06:51
